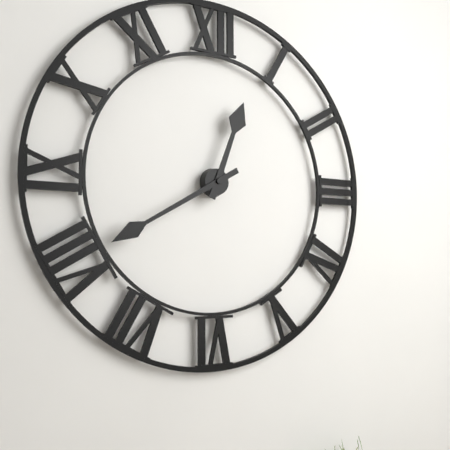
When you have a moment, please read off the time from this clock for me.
12:40
